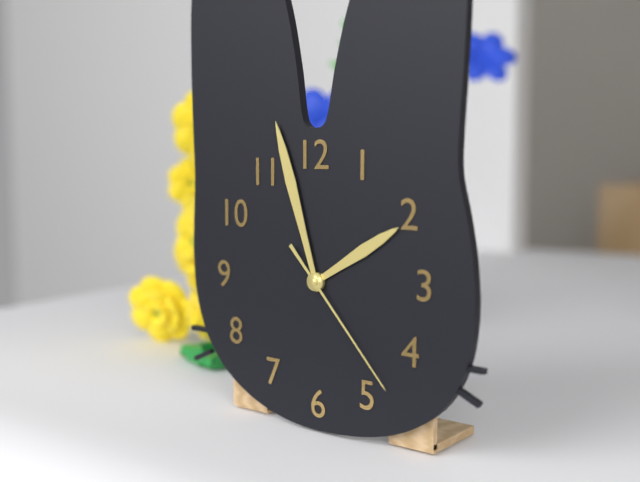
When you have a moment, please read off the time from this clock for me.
1:57:23
